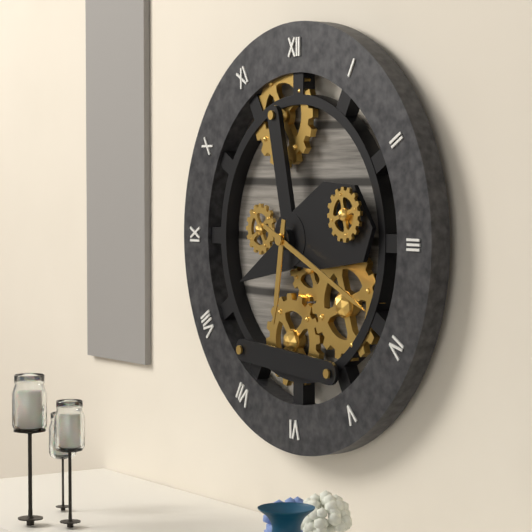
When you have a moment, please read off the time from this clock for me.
6:19
